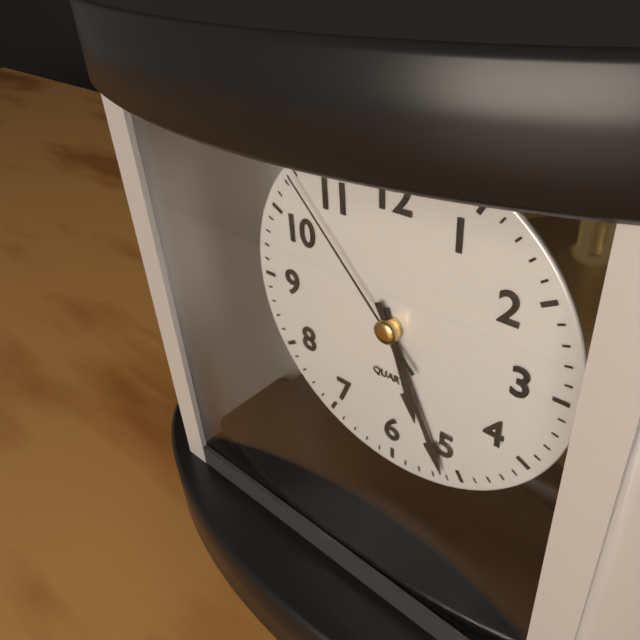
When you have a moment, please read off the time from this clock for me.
5:26:53
